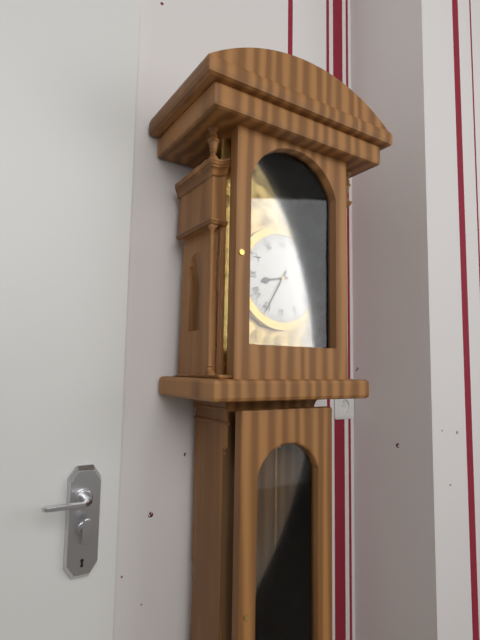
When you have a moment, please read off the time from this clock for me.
8:35
